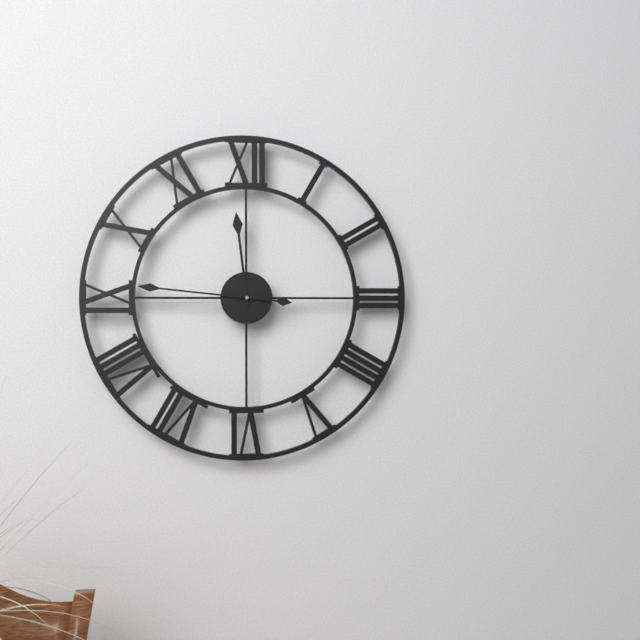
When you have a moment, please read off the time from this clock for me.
11:46
